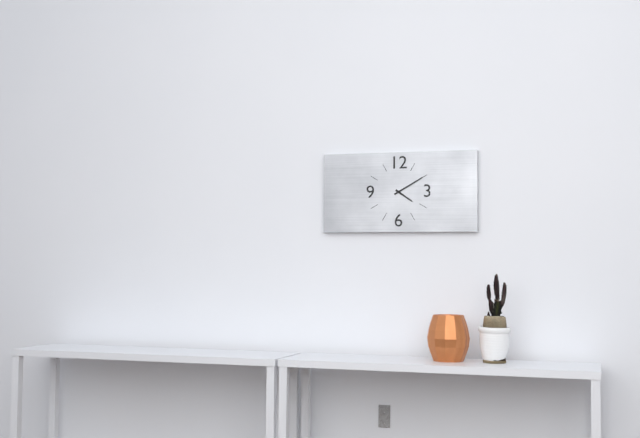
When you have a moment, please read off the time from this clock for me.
4:10
